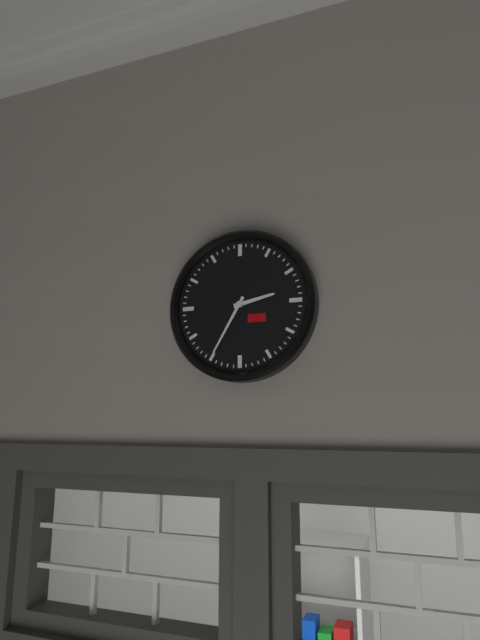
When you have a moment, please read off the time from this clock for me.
2:35
